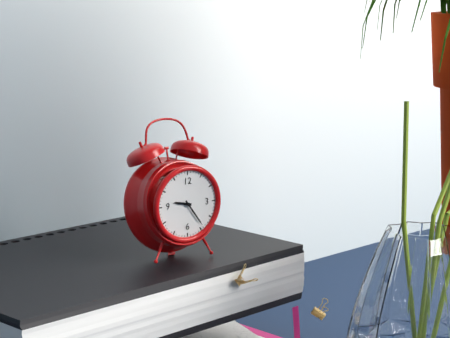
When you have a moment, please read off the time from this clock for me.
9:24
